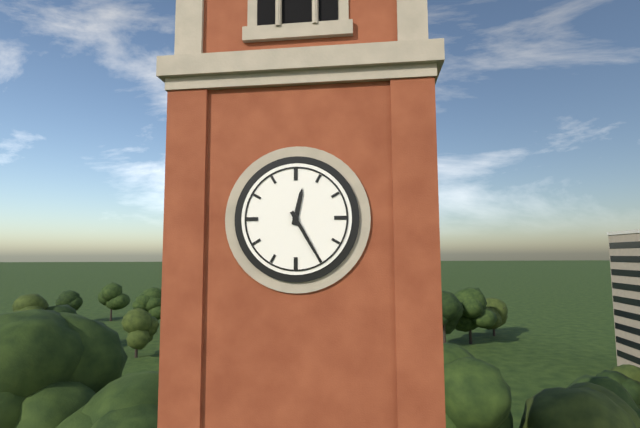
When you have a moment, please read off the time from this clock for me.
12:25
